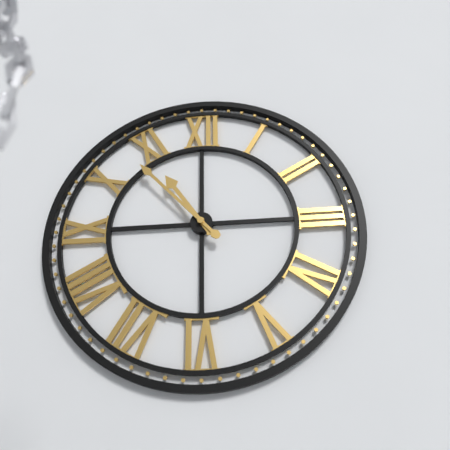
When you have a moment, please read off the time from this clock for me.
10:53
